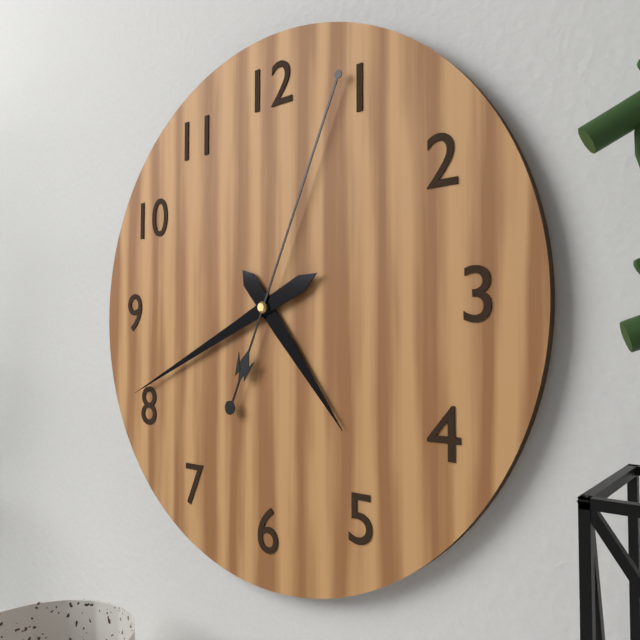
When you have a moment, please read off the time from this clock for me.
4:41:04
